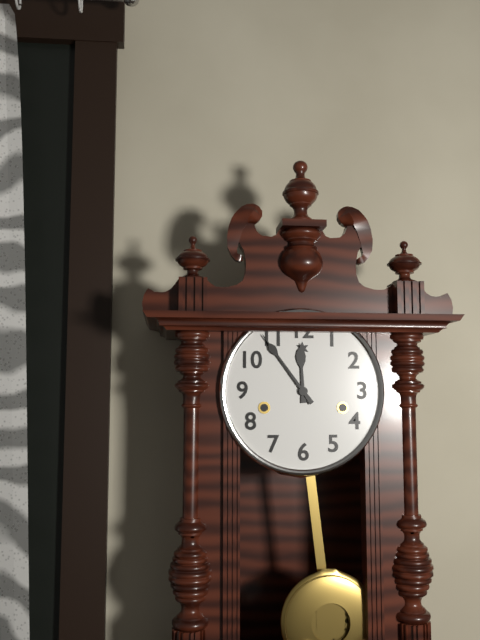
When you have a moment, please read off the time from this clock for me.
11:54
